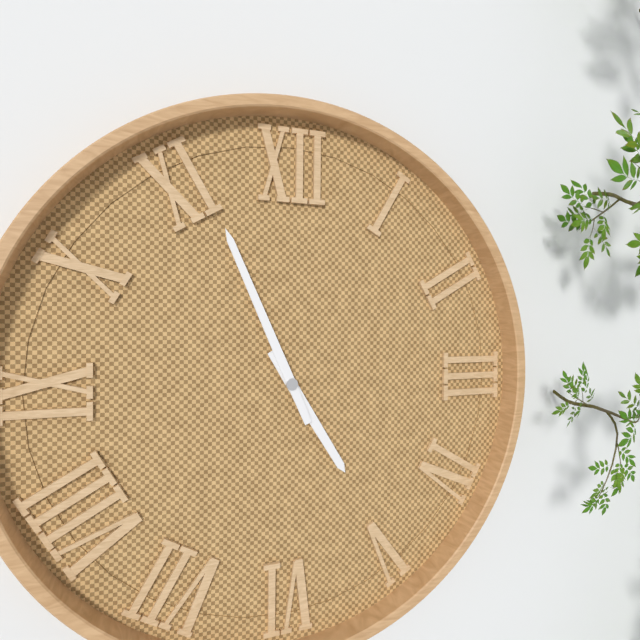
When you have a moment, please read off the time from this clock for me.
4:56
